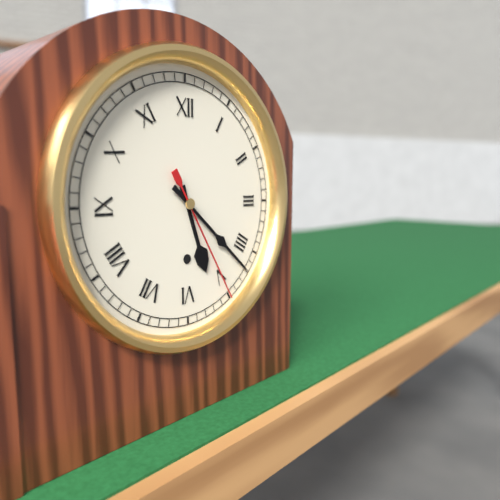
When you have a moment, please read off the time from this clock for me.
5:22:25
